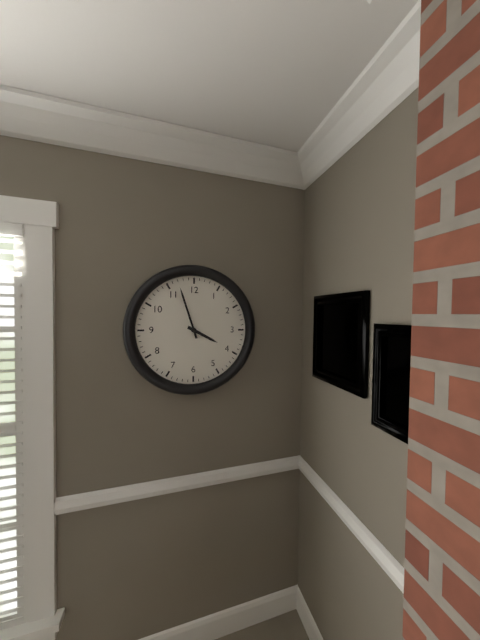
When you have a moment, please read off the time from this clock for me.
3:57
